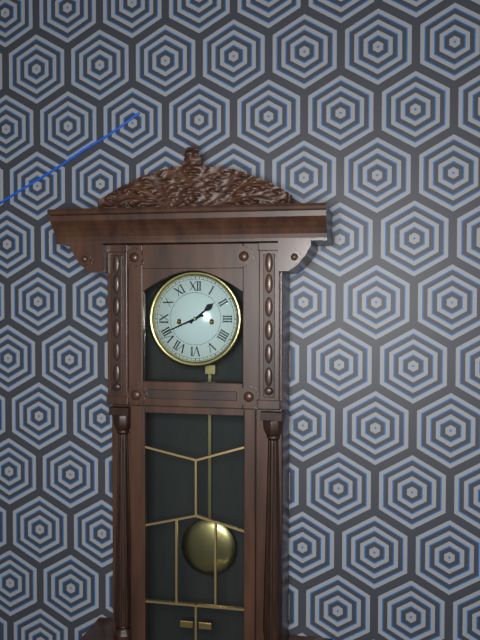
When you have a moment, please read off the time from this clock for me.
1:41
